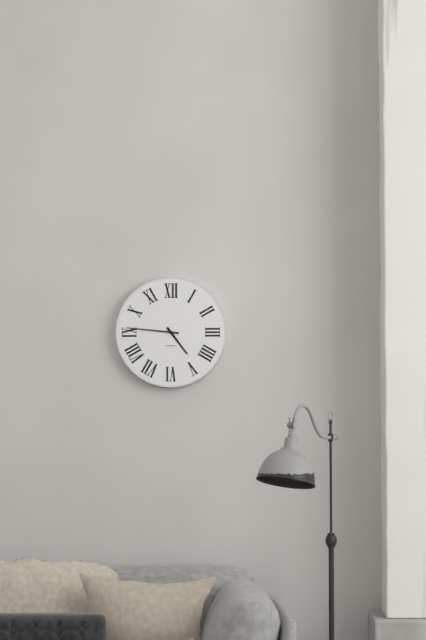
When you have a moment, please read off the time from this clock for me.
4:46
